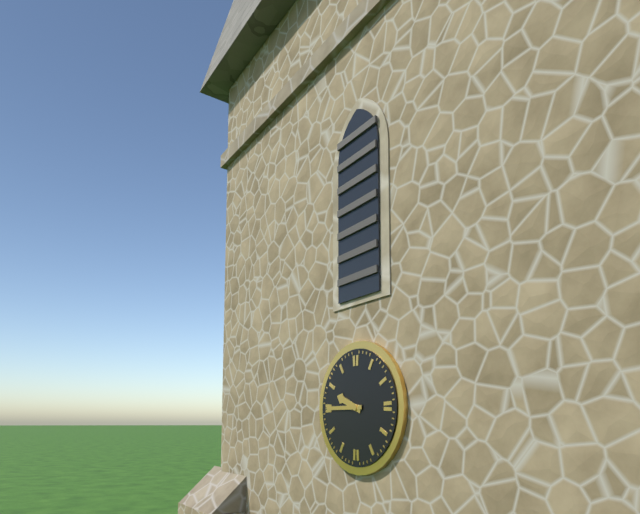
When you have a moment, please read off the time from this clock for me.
9:45
